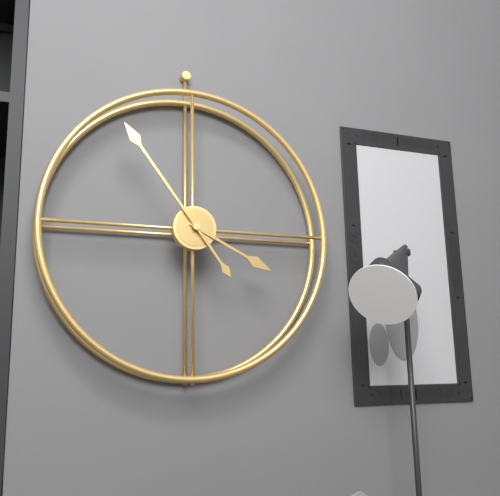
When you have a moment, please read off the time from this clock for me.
3:54
